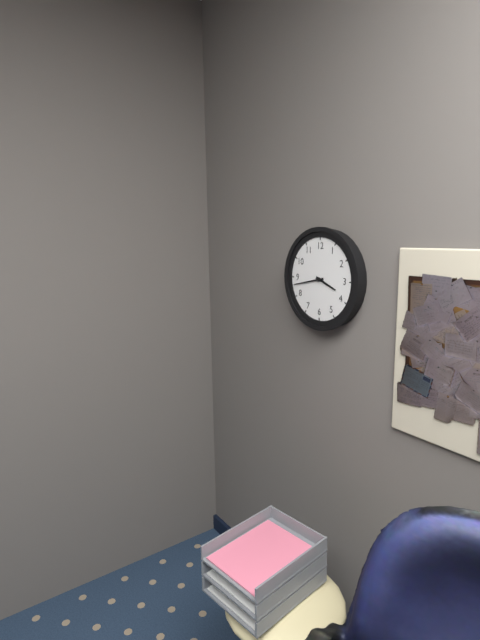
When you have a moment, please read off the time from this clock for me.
3:43
